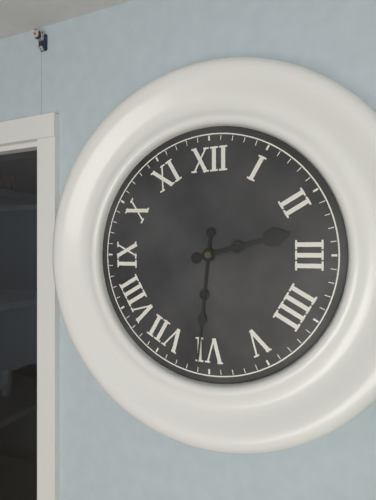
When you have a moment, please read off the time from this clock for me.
2:31
